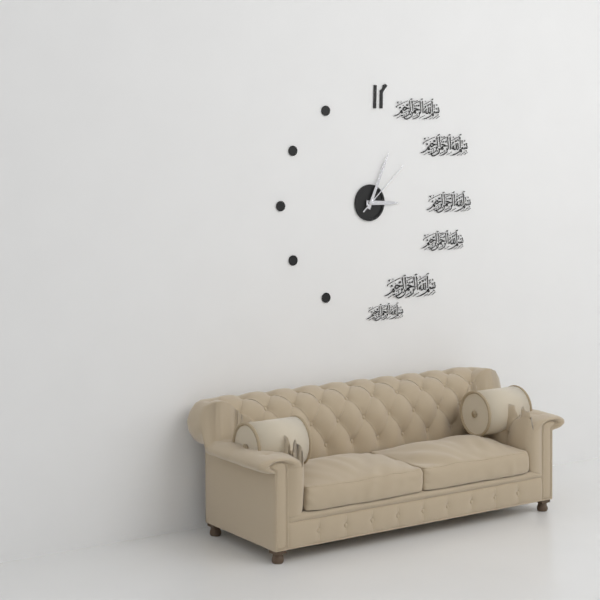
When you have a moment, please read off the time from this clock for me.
3:04:08
